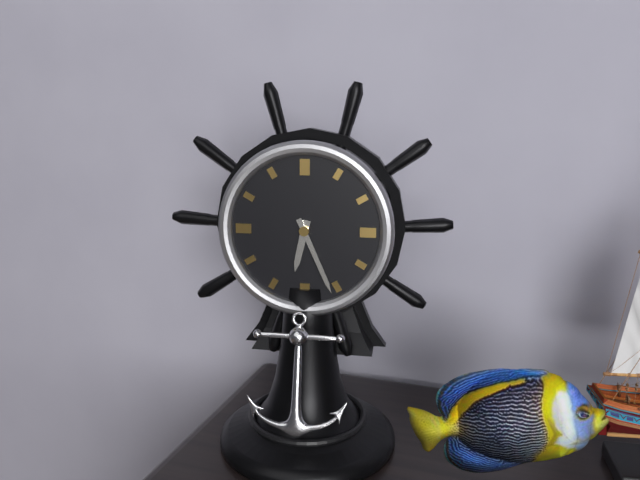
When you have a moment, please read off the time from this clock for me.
6:26
